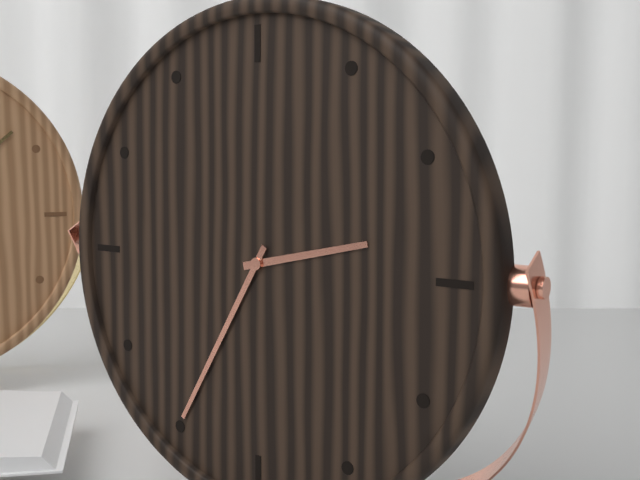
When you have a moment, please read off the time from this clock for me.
2:35
